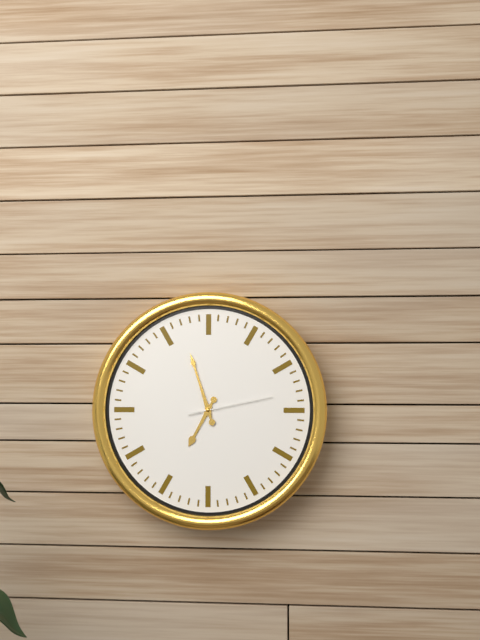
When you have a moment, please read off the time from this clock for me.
6:57:13
